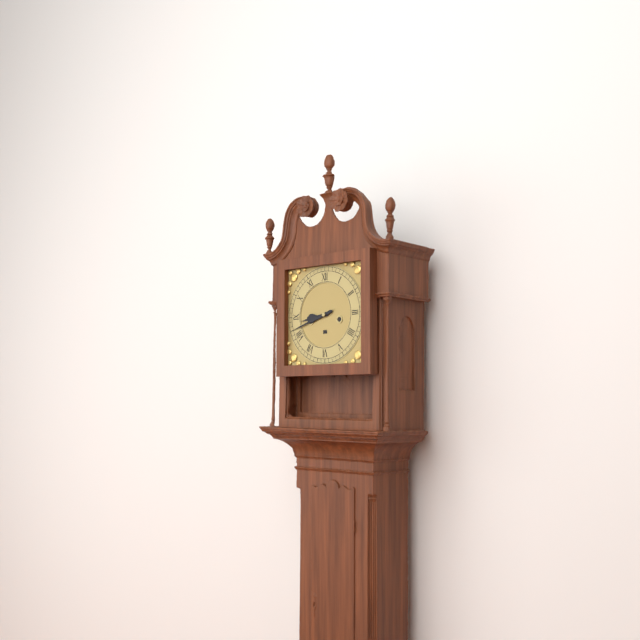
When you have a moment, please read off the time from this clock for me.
8:42
